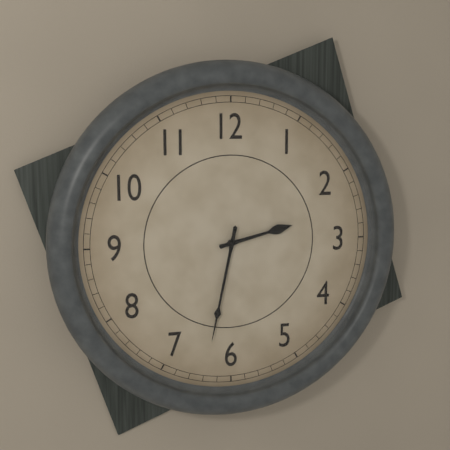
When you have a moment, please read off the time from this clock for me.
2:32
